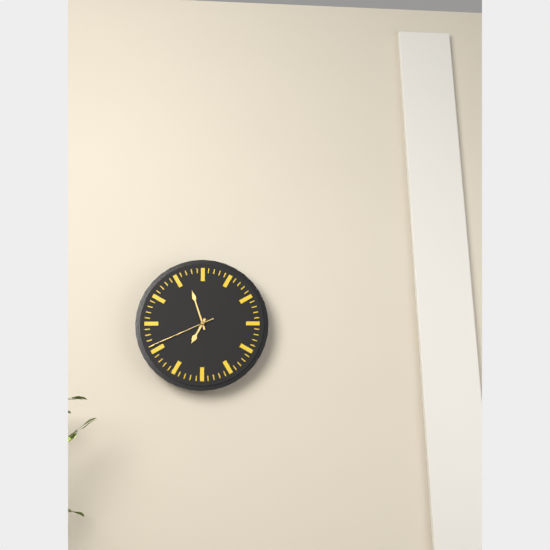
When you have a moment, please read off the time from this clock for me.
6:57:41
